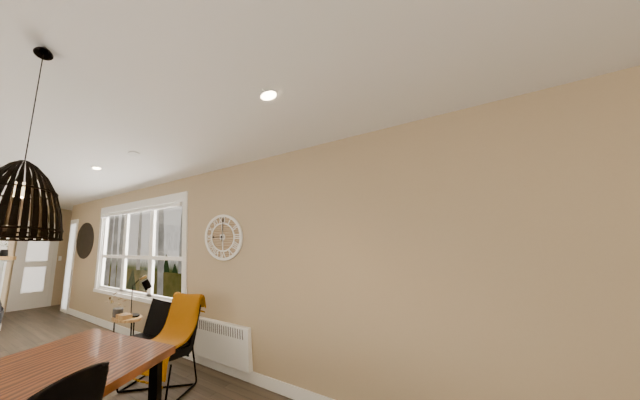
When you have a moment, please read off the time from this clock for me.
9:01
